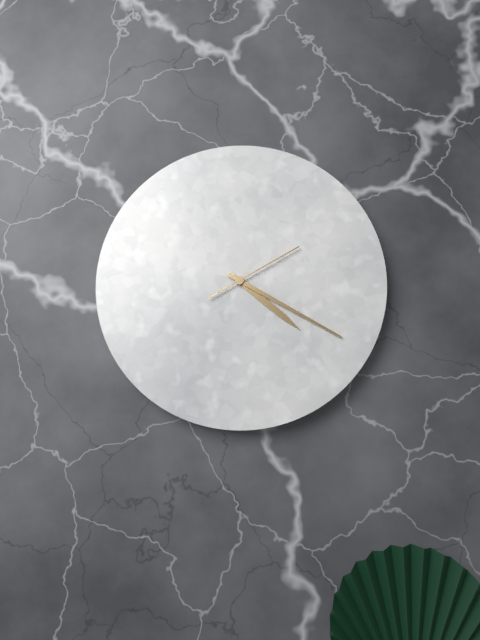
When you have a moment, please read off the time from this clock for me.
4:20:10
